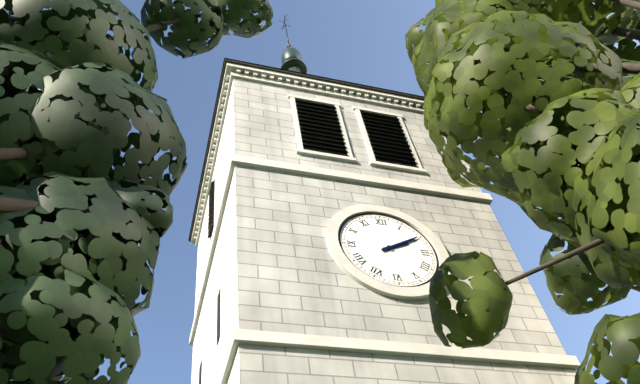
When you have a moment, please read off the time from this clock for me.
2:10
